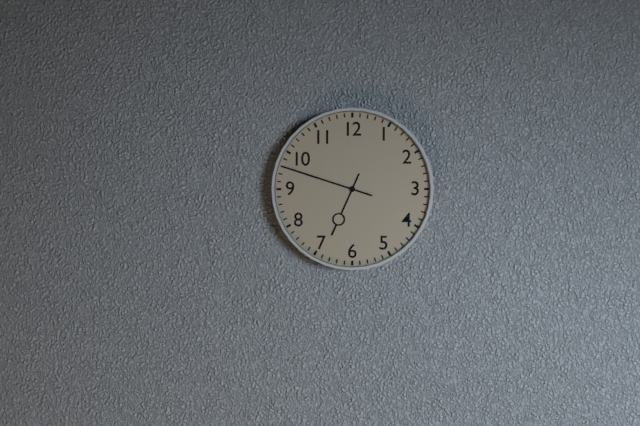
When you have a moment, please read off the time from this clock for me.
6:48
